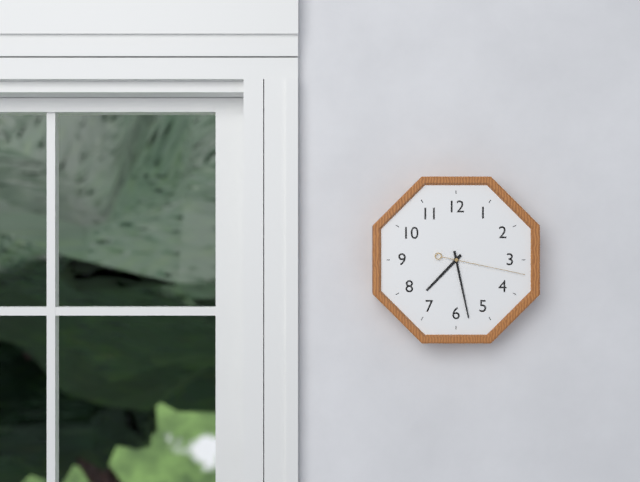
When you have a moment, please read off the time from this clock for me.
7:28:17
